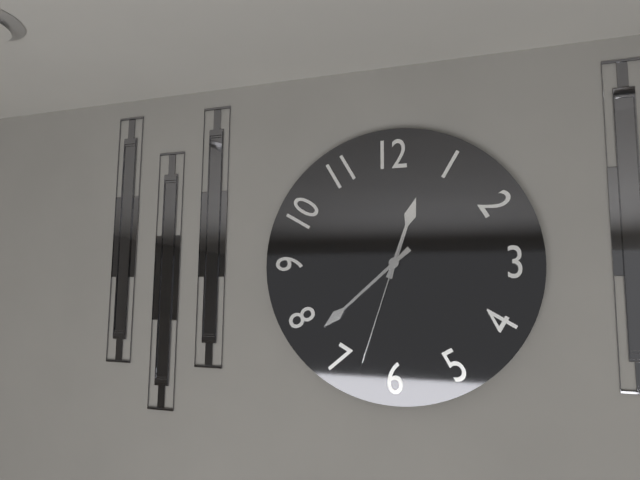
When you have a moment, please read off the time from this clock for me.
12:38:33
